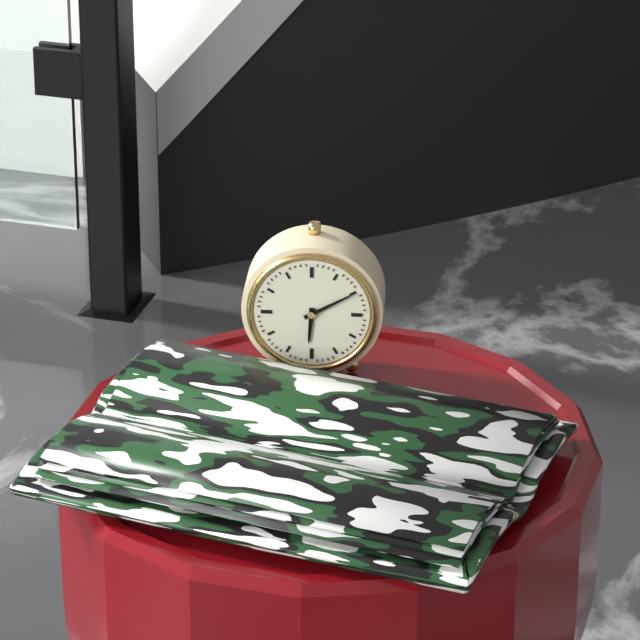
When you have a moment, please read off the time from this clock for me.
6:10
